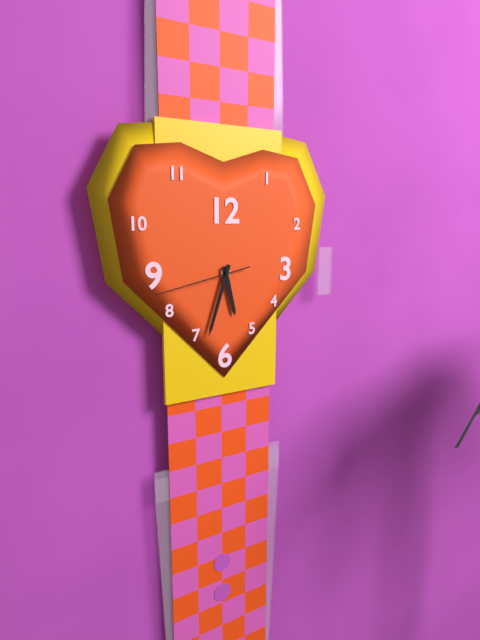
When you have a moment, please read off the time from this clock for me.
5:33:43
